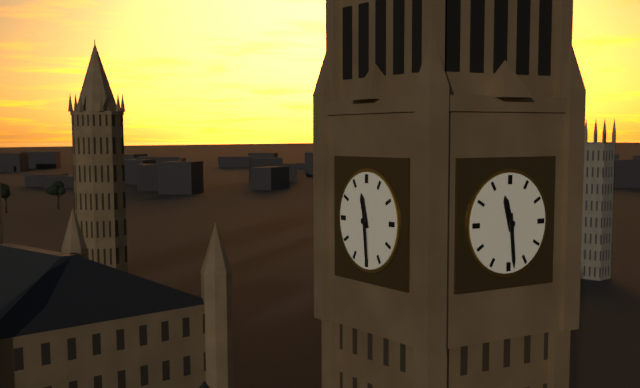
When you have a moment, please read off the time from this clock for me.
11:29
